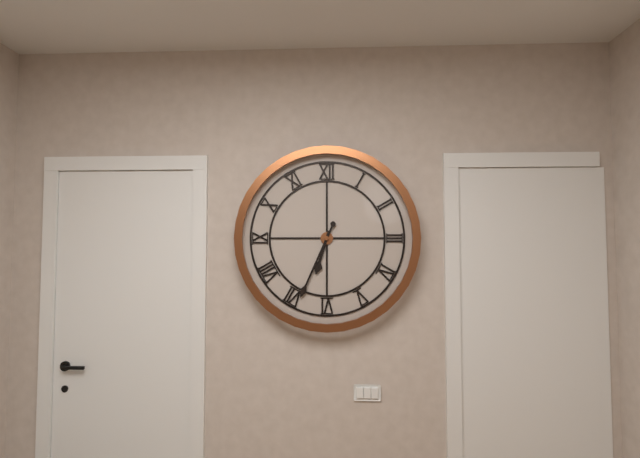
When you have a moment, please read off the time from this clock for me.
6:34
